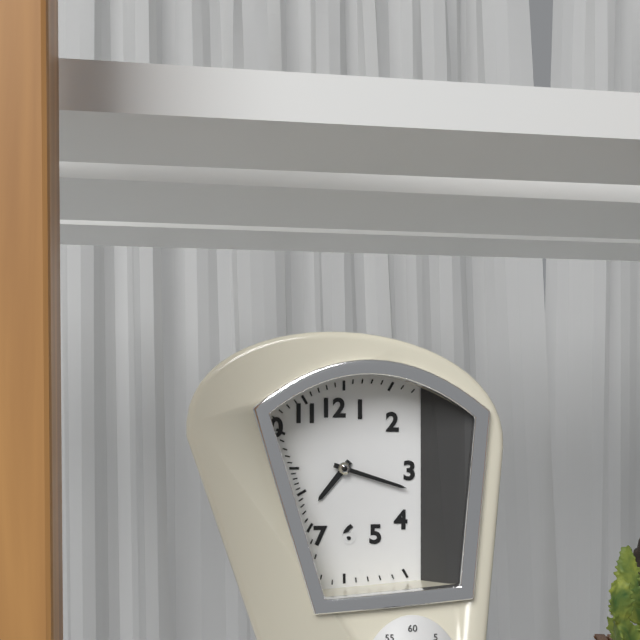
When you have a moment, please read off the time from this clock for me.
7:18
